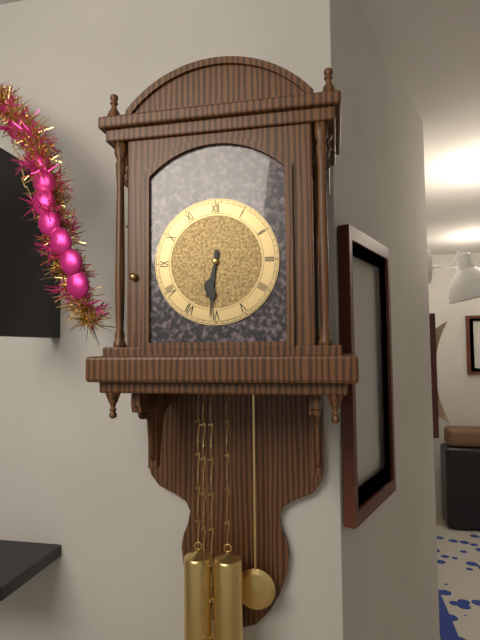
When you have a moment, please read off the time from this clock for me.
6:31
